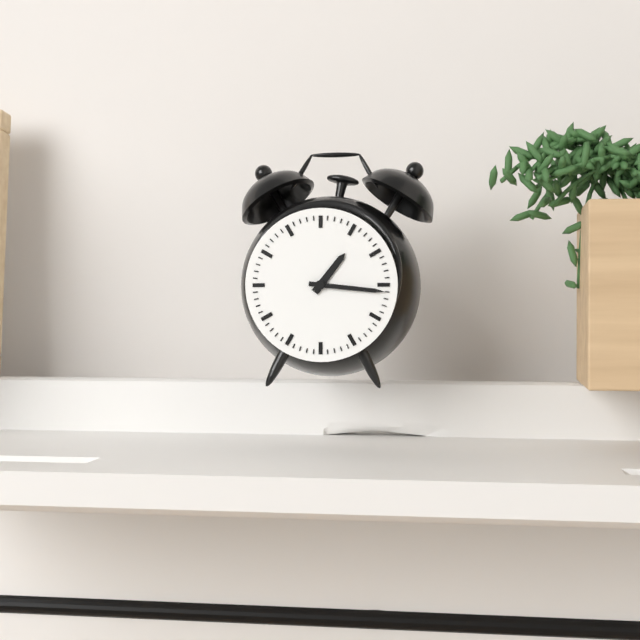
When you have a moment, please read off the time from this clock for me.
1:16
